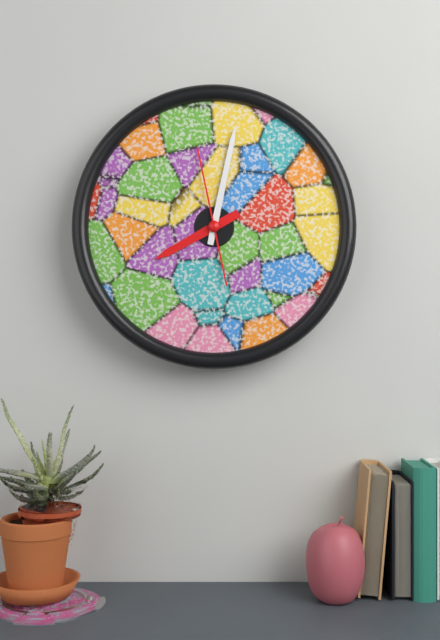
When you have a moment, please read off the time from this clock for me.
8:02:58
